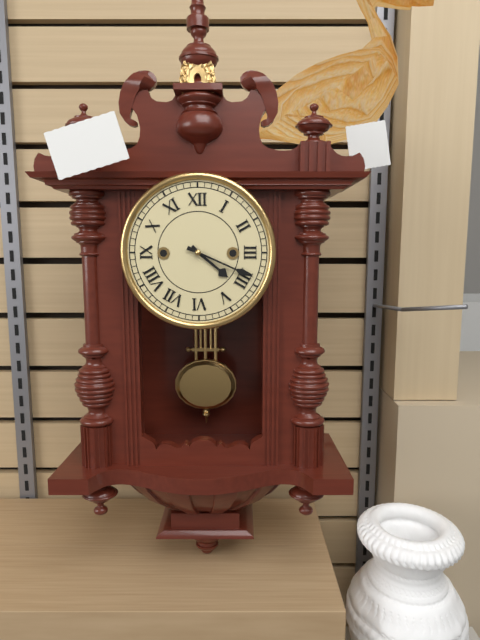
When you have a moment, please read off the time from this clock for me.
4:19
